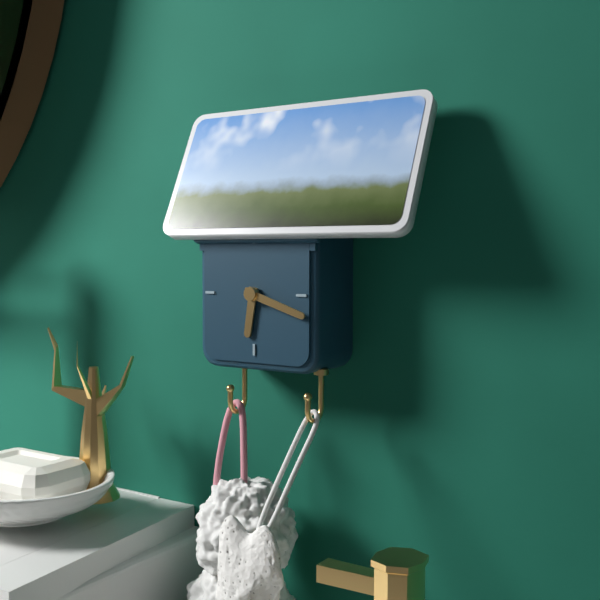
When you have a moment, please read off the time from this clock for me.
6:18
